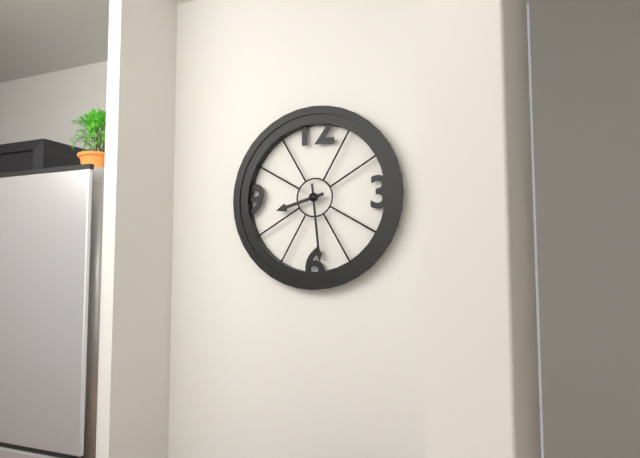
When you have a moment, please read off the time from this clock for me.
8:29
